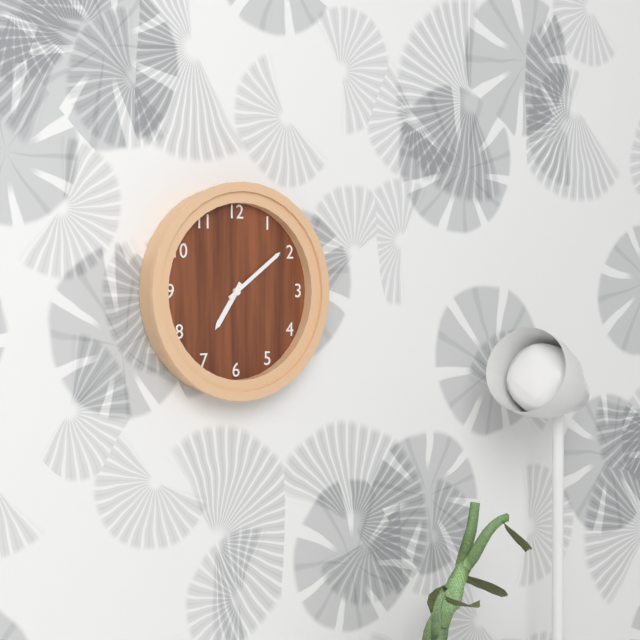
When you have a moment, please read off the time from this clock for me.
7:09
